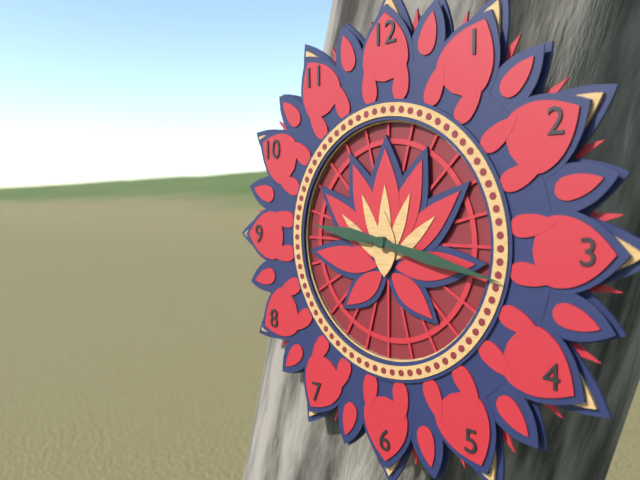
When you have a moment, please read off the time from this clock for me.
9:17
